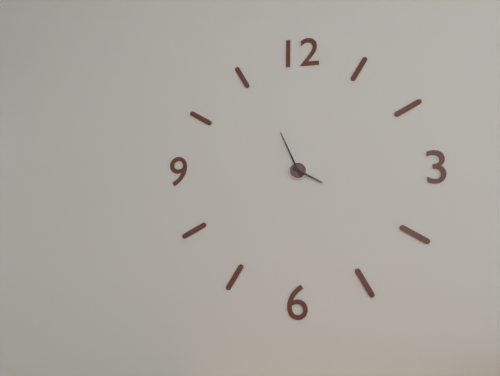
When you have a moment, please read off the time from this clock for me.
3:56
